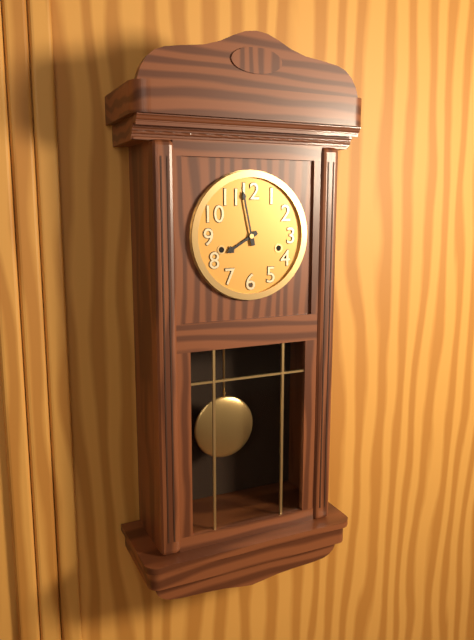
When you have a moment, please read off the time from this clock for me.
7:58
